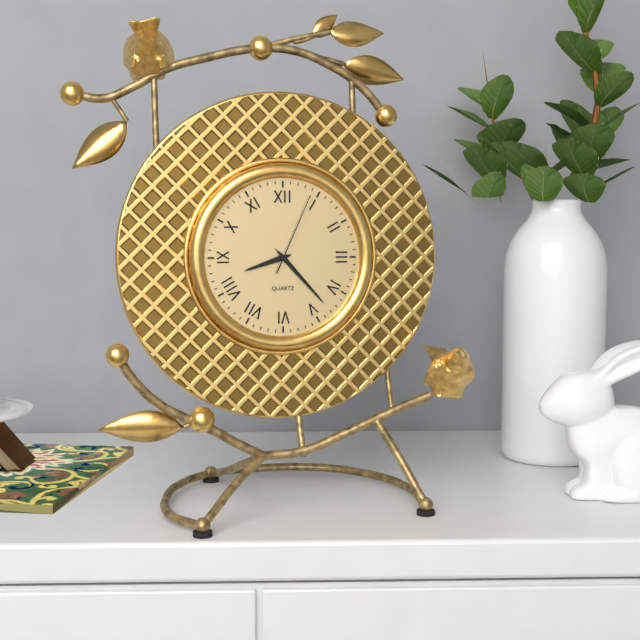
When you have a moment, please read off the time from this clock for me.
8:23:04
